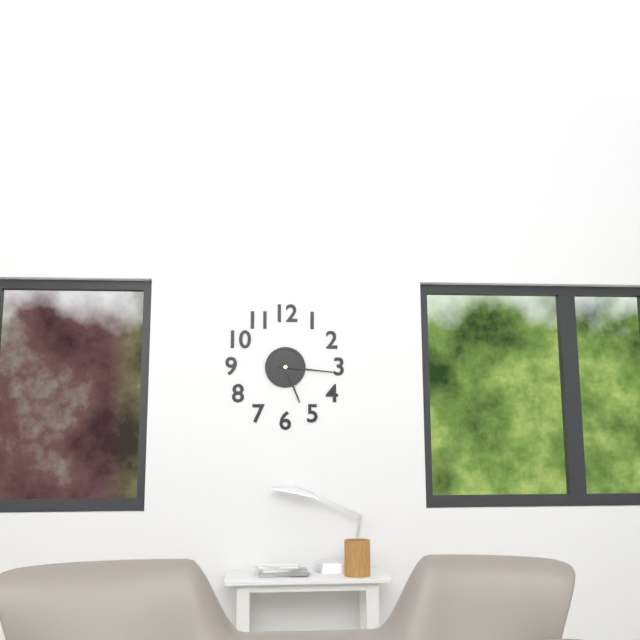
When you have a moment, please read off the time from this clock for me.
5:16
